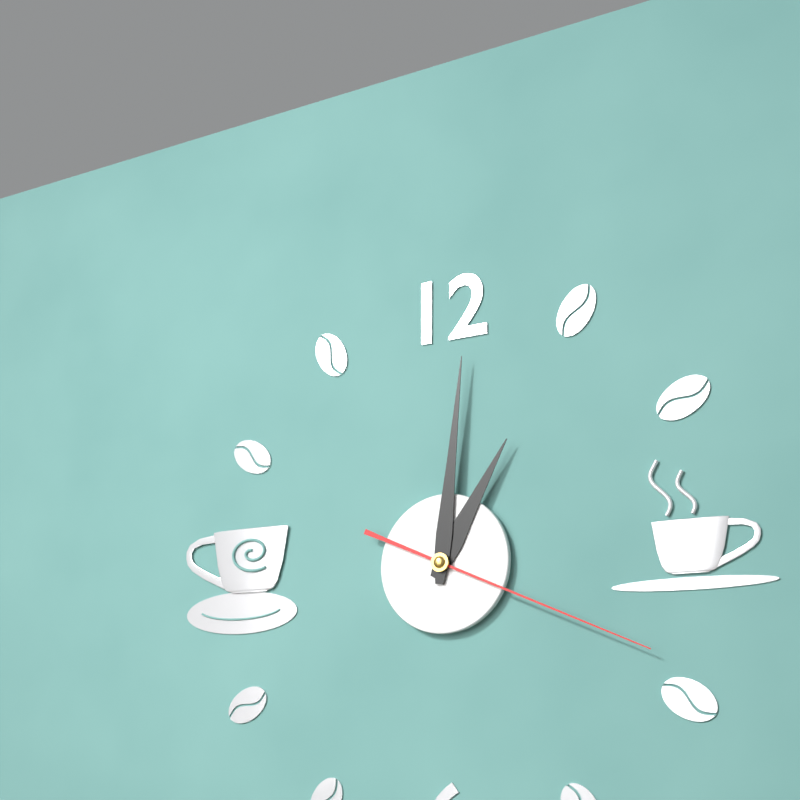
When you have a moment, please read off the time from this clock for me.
1:01:19
